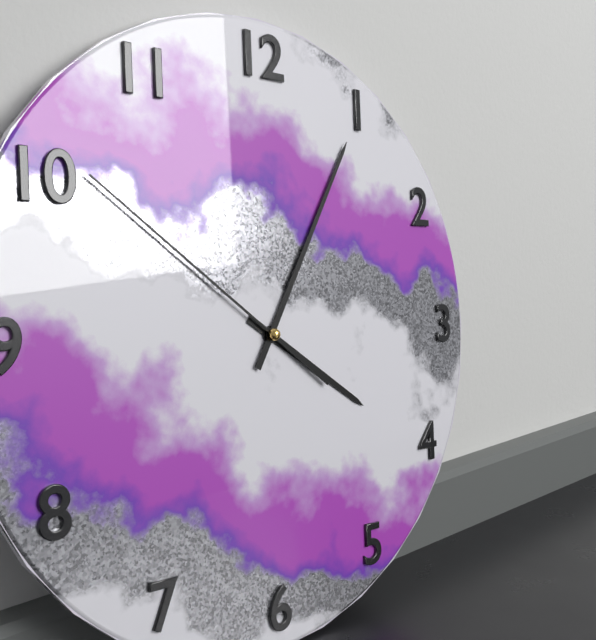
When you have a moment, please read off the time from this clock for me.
4:05:51
